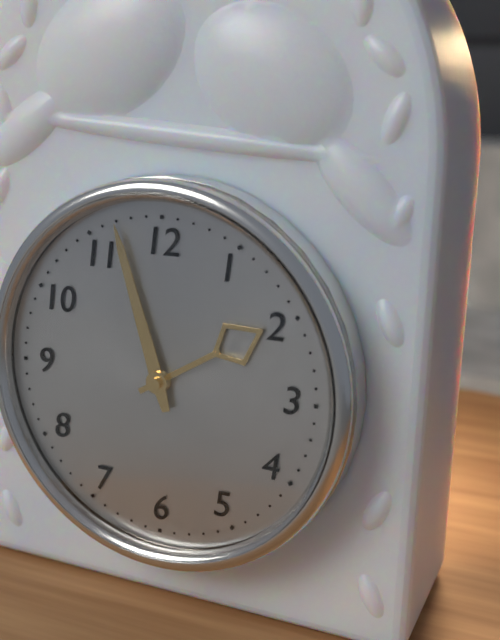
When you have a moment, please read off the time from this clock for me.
1:57
